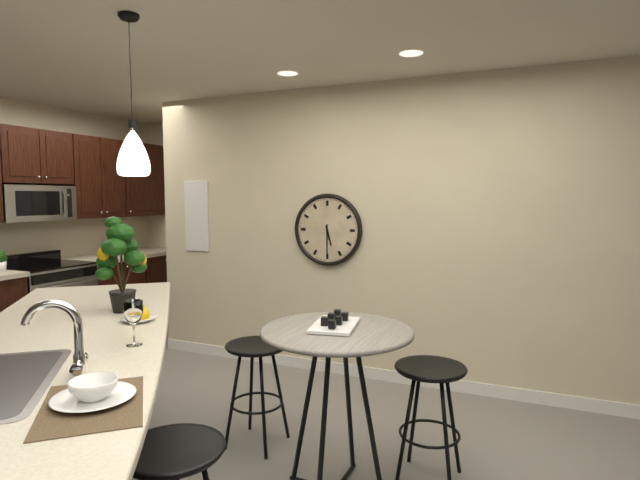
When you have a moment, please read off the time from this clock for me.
5:30
